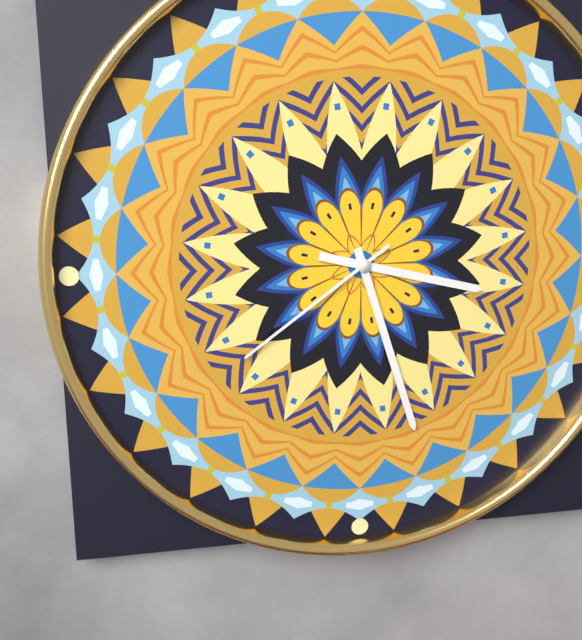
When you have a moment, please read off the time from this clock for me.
3:27:39
